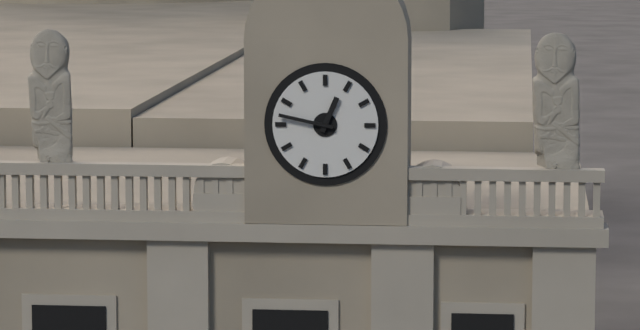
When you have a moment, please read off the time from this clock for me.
12:47
